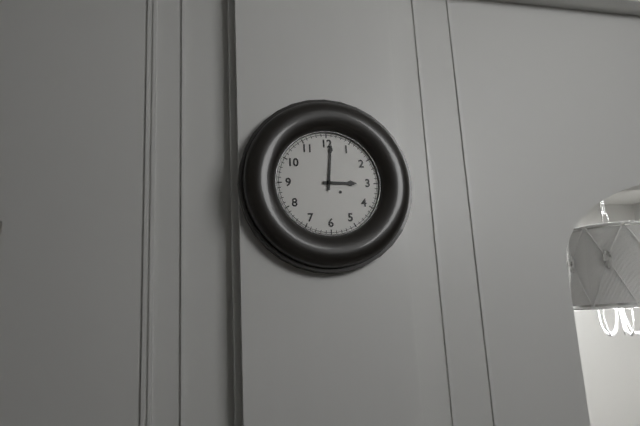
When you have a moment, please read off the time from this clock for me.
3:01
